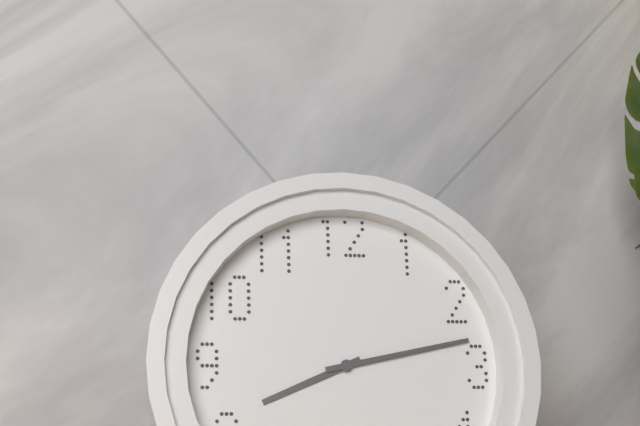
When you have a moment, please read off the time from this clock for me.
8:13
